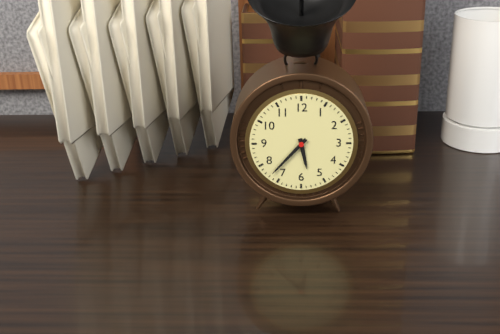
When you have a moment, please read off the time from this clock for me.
5:37
